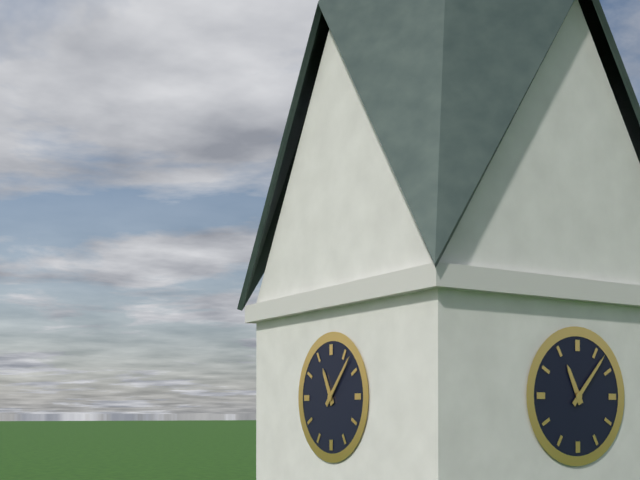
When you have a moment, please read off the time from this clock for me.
11:07
